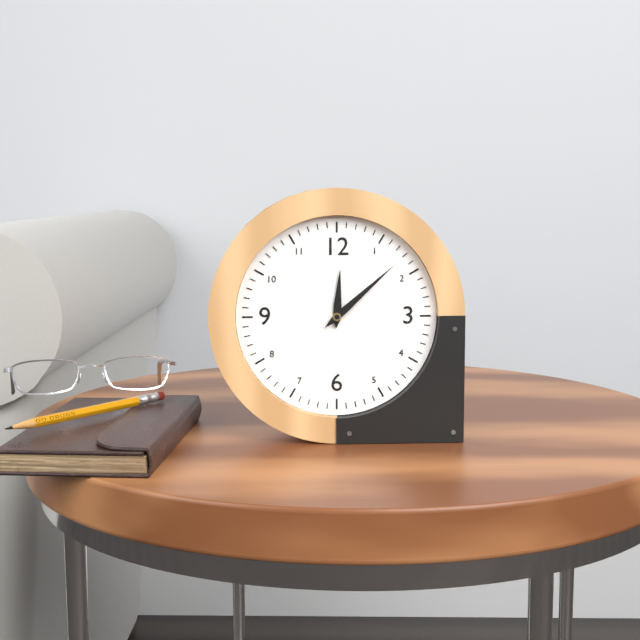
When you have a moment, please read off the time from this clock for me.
12:08
